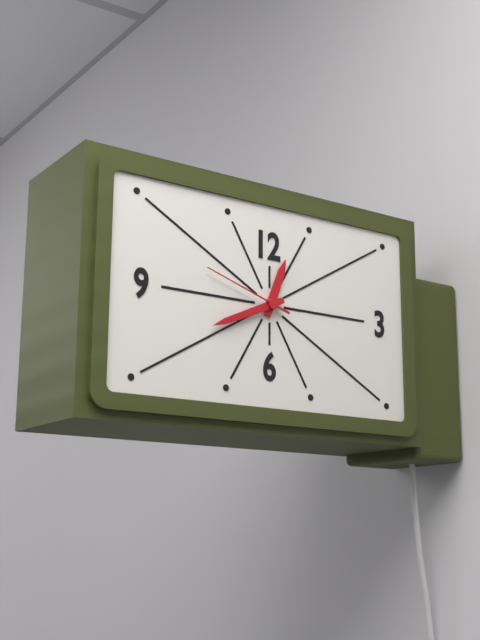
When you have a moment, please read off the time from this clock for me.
12:41:48
